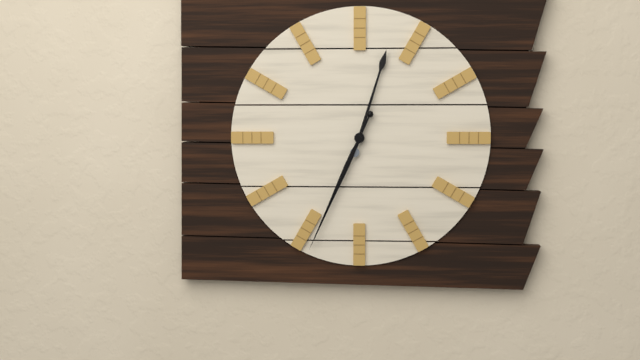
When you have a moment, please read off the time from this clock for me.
12:34
